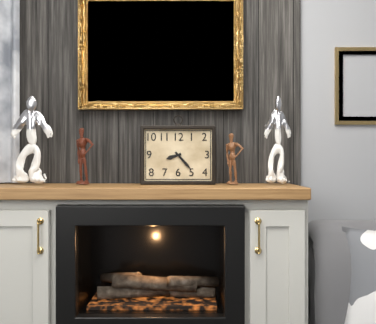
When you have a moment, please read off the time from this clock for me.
8:23
